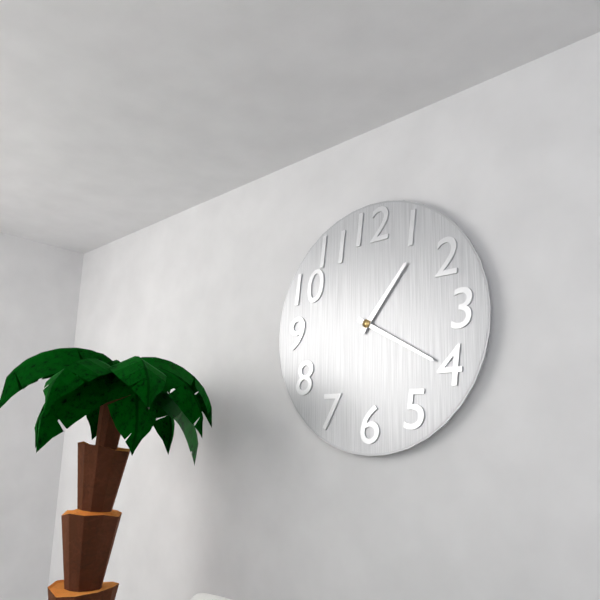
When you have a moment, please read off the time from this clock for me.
1:20
